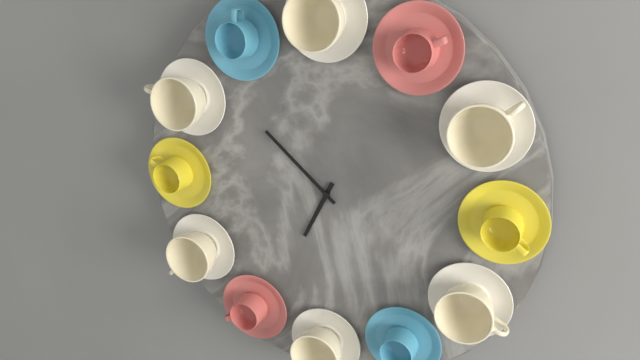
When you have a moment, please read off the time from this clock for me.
6:52
